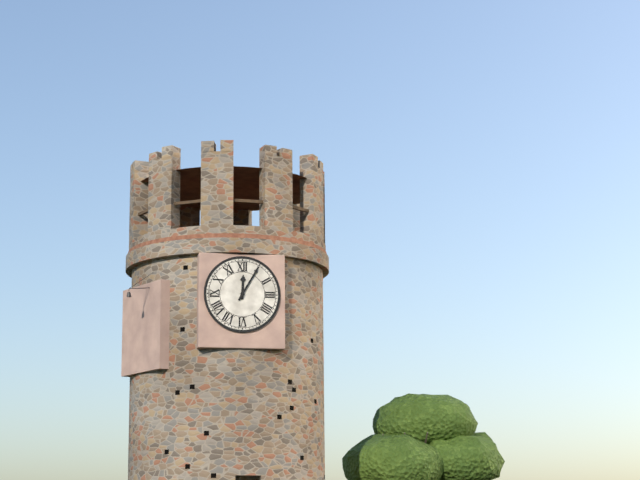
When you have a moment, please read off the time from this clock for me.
12:05
